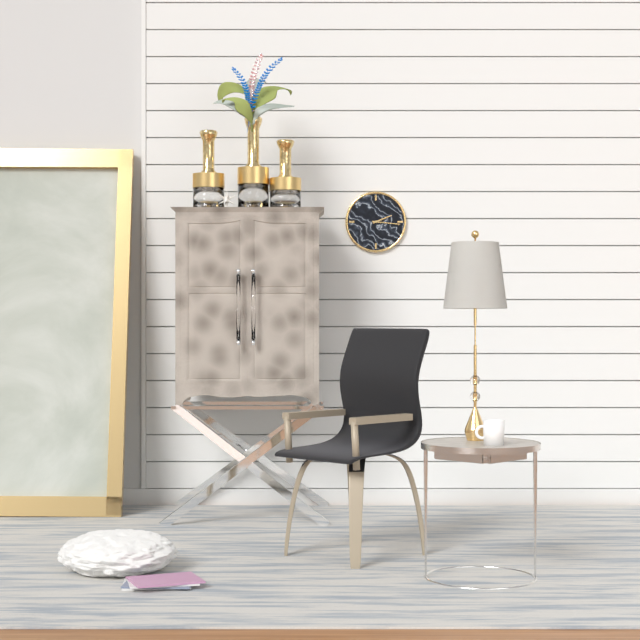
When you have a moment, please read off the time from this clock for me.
2:16
